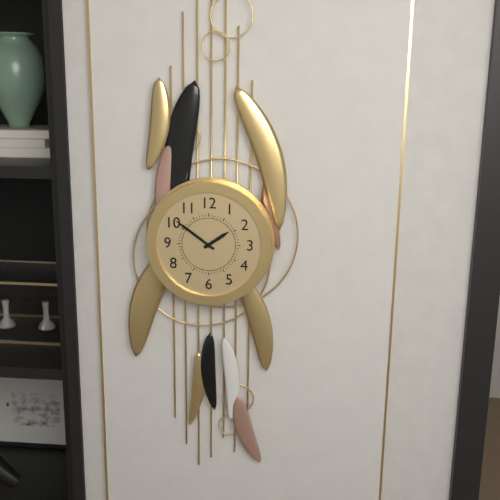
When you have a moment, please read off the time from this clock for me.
1:51
